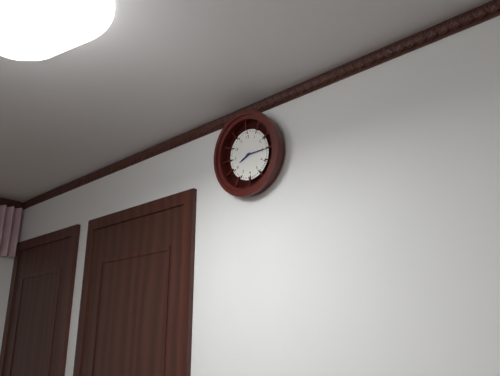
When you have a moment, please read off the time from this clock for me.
8:15
